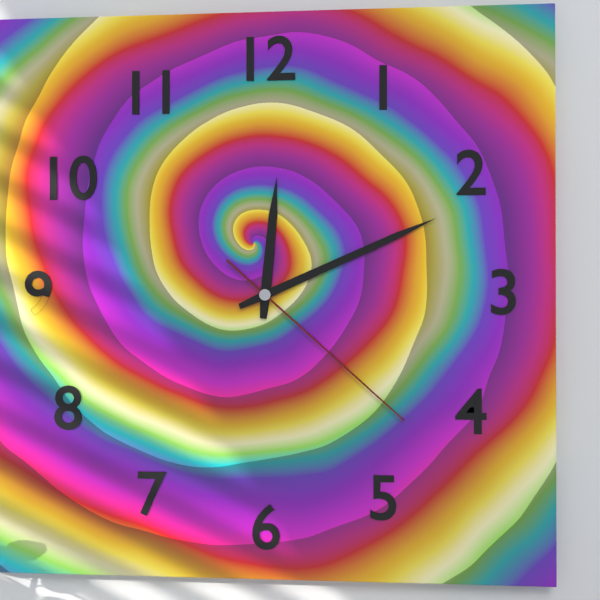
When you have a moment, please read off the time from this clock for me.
12:11:22
